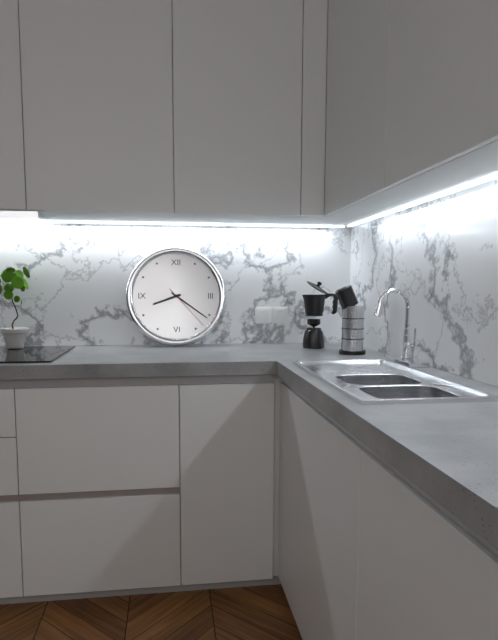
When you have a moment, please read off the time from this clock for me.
8:21
